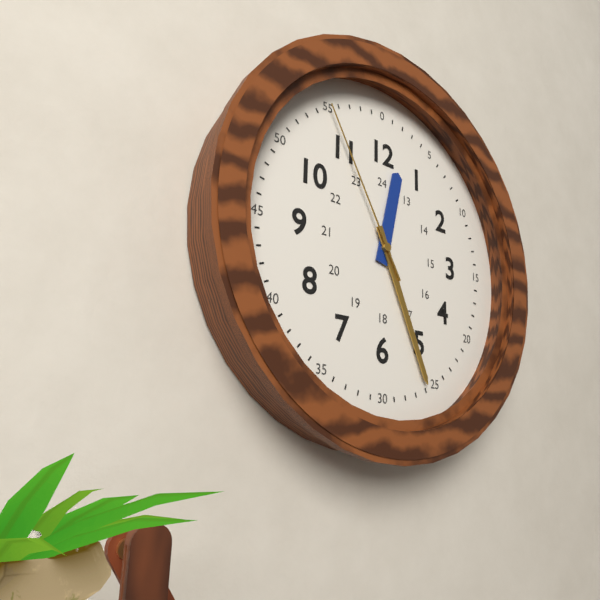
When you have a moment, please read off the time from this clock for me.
12:26:55
